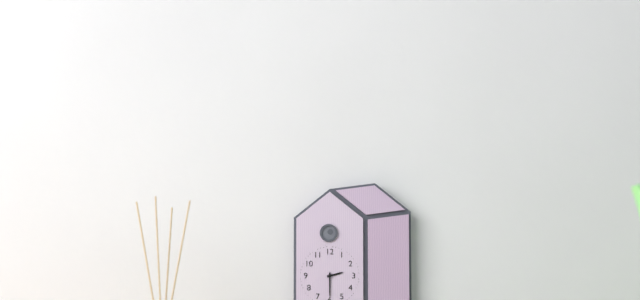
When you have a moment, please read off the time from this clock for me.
2:30
